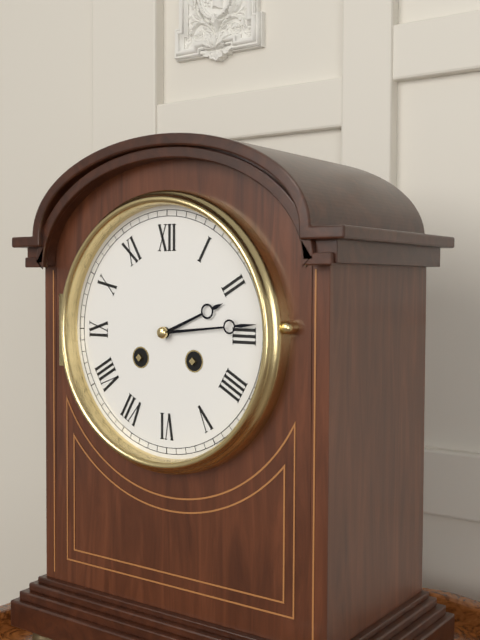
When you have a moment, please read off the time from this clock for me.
2:14
